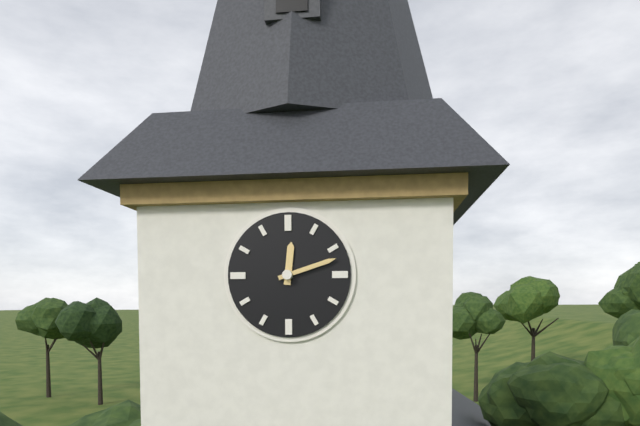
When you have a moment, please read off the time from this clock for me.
12:12
